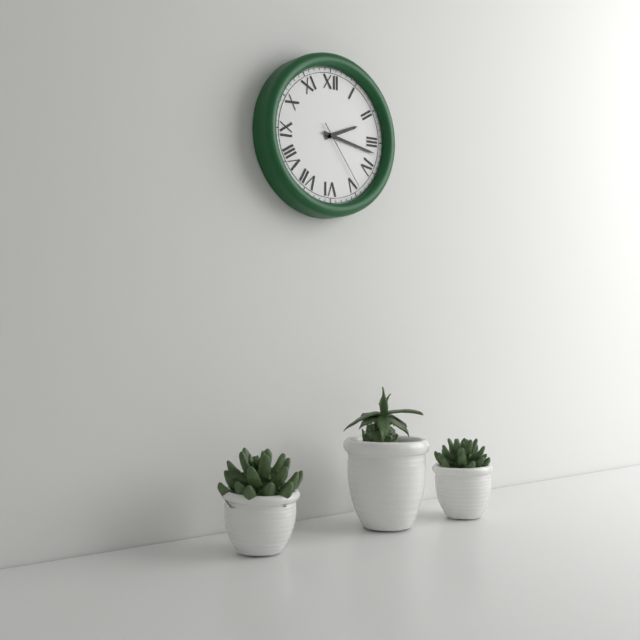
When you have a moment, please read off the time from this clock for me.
2:17:24
